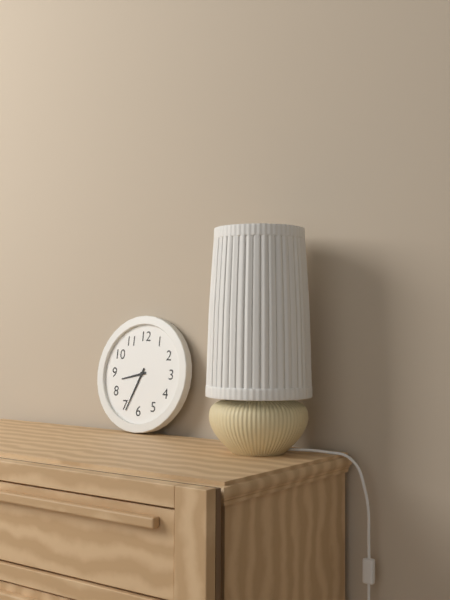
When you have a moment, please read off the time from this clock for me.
8:34
